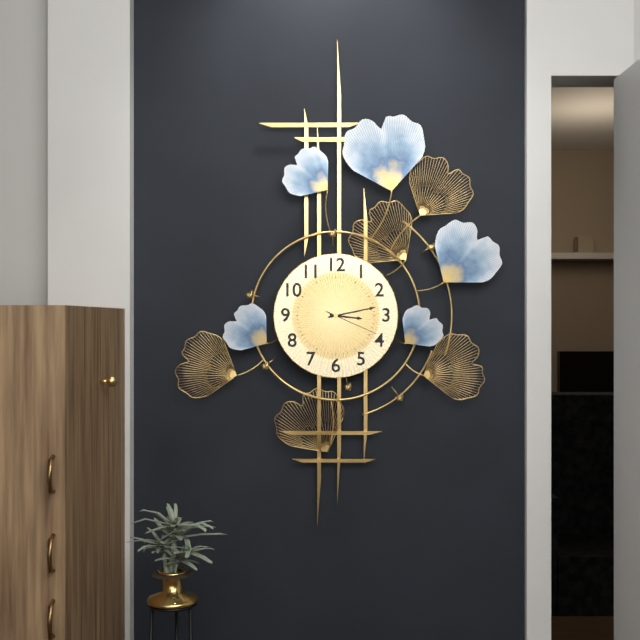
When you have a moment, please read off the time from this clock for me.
3:13:19
